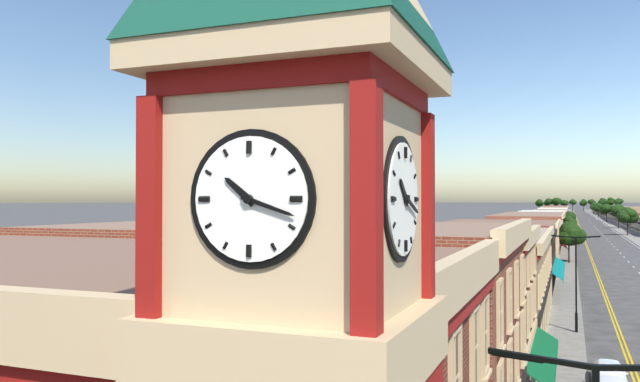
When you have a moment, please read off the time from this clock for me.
10:18
